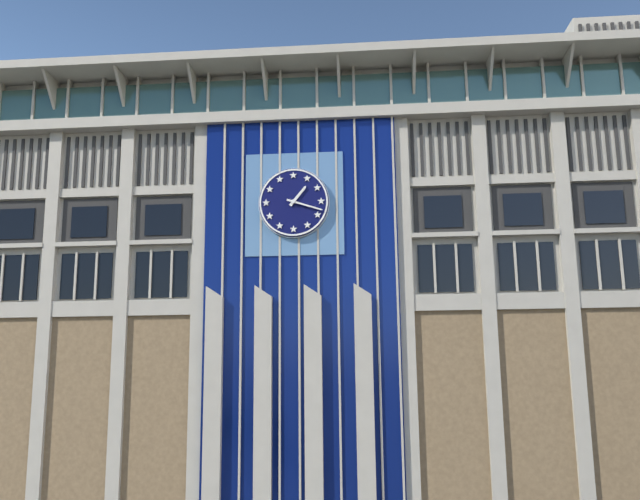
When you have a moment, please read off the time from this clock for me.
1:18
